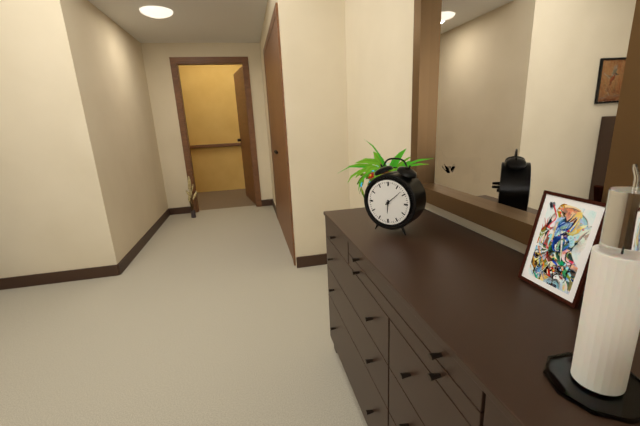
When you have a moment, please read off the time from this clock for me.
6:08
